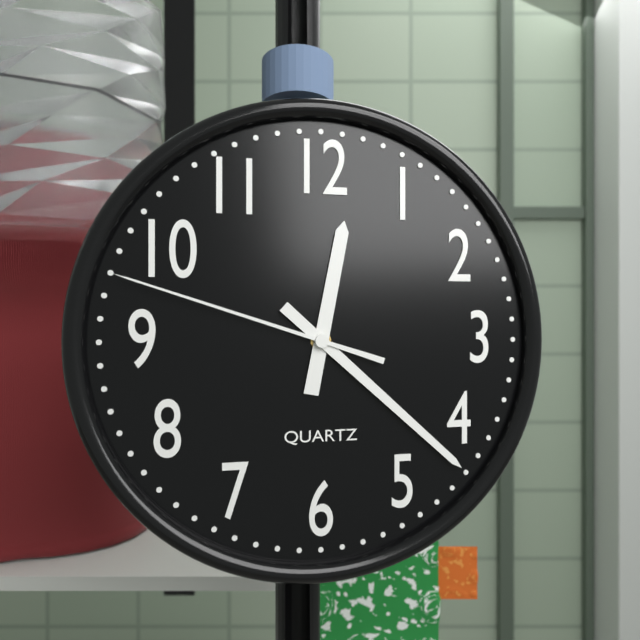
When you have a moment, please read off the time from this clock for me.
12:22:48
